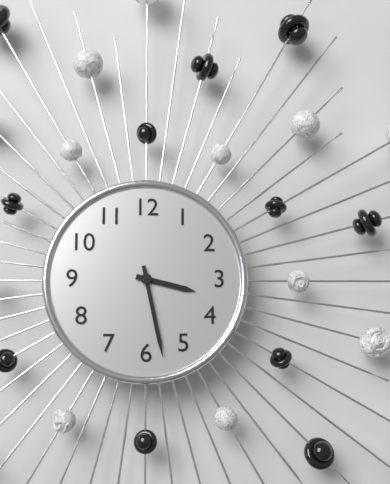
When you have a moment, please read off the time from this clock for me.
3:28
